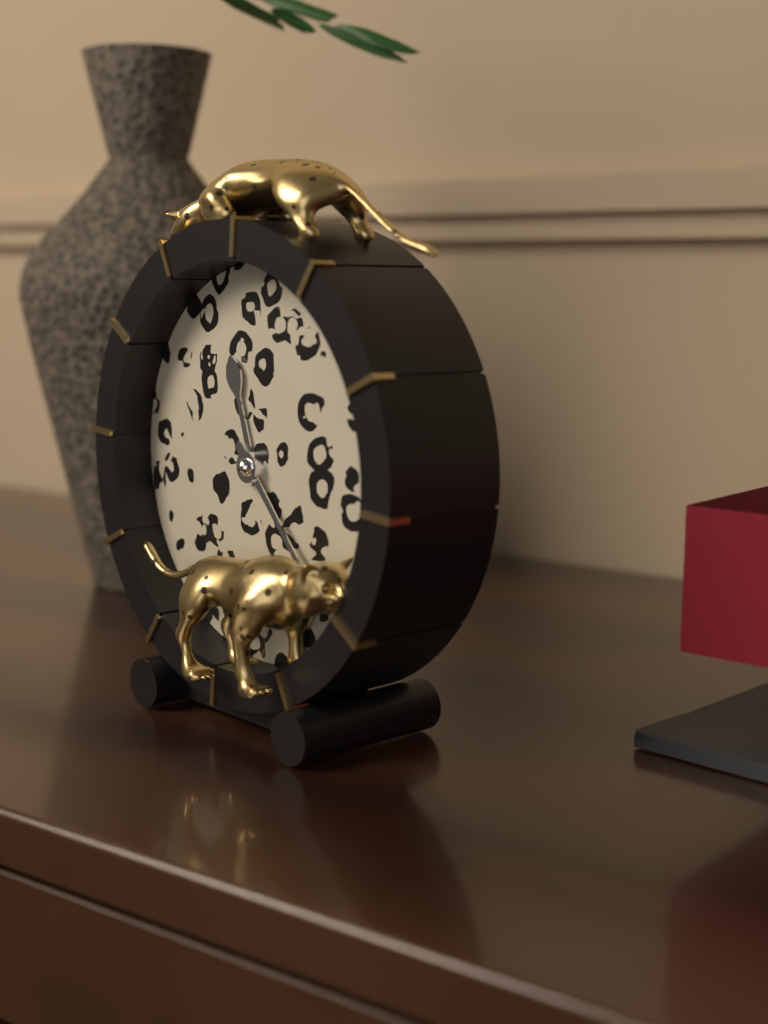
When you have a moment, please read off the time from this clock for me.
11:23
